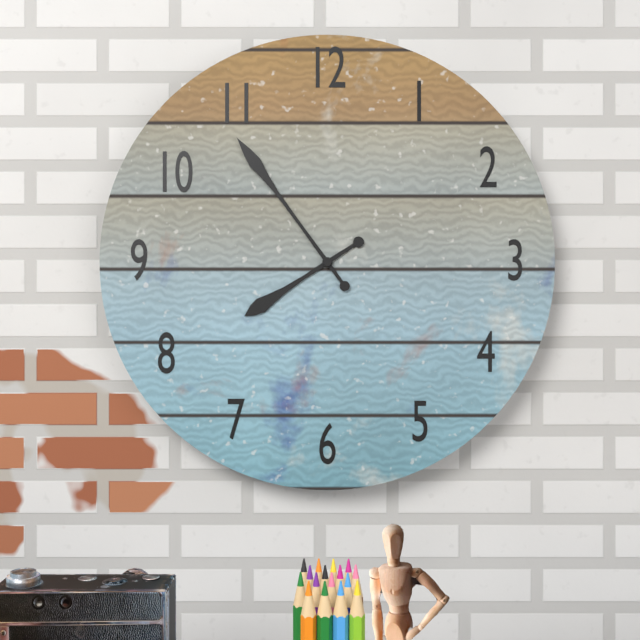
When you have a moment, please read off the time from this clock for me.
7:54
